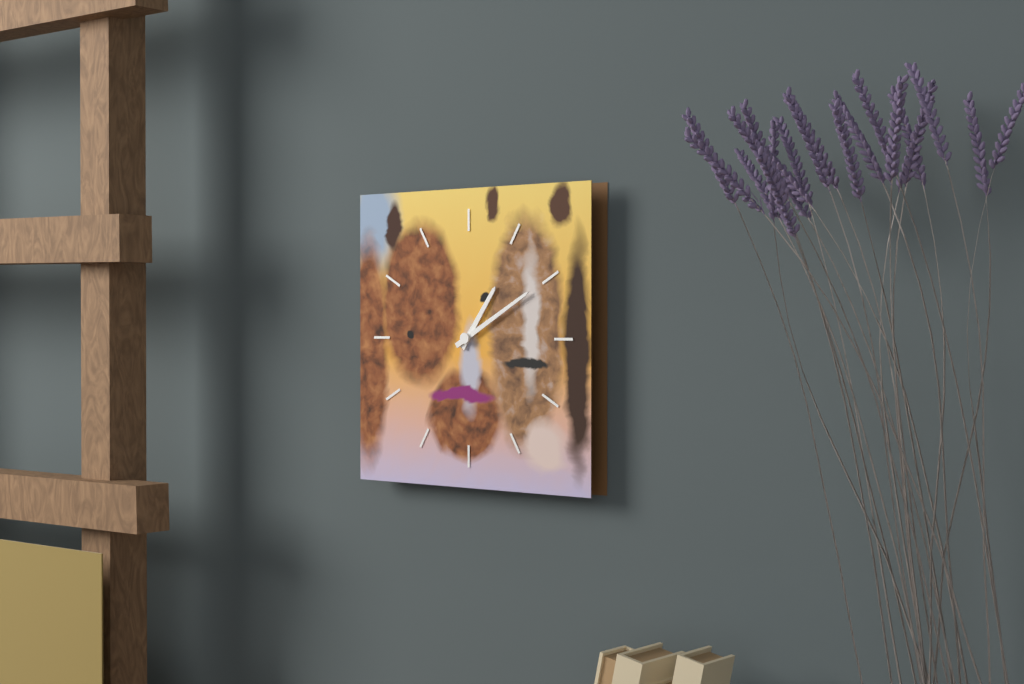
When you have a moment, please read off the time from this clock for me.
1:10
